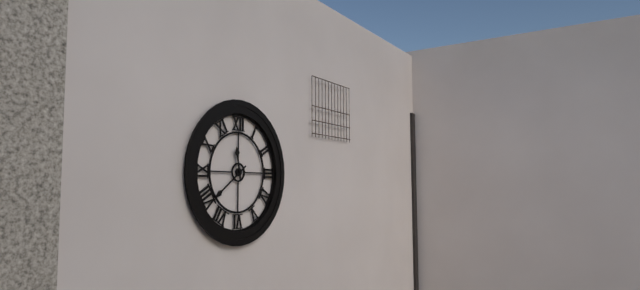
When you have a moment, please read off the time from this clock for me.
11:39
